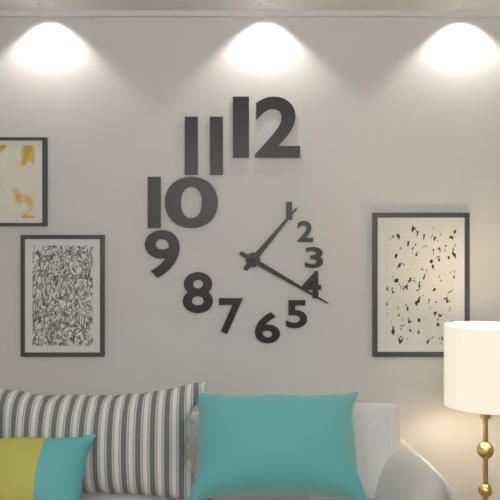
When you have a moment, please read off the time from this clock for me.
1:20
